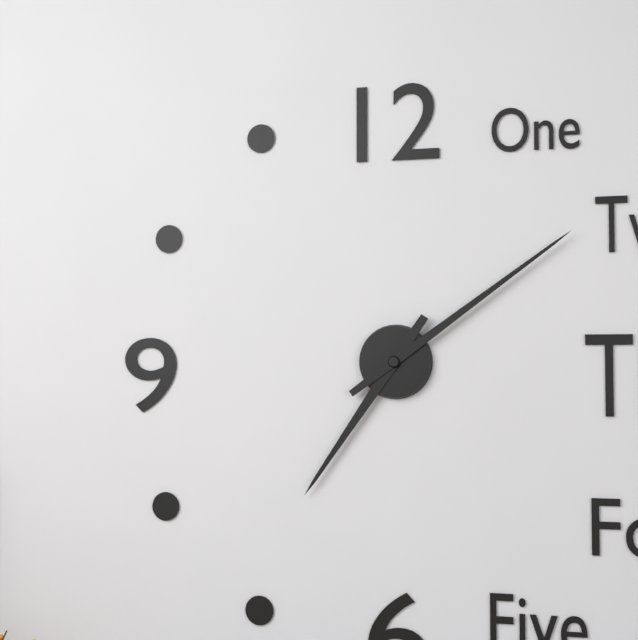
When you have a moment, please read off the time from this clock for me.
7:09
